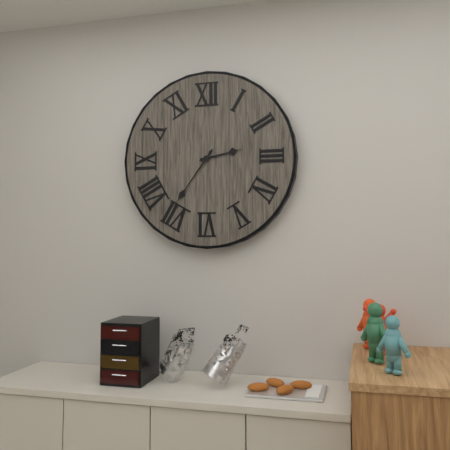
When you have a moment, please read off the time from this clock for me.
2:36
